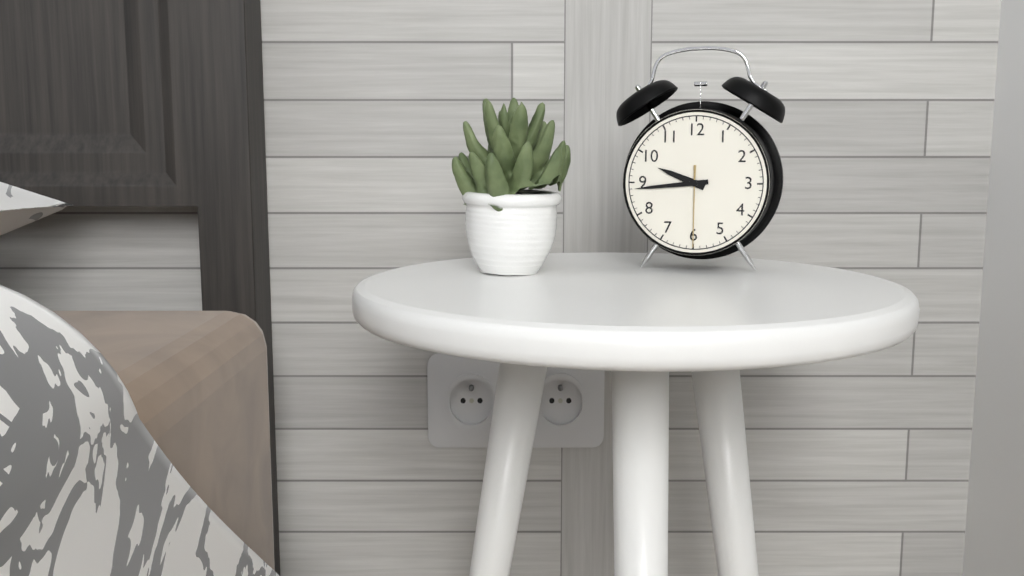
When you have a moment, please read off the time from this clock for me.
9:44:30
